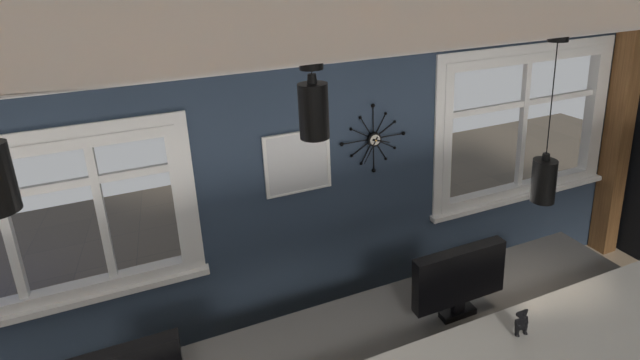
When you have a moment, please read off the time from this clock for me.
3:35
